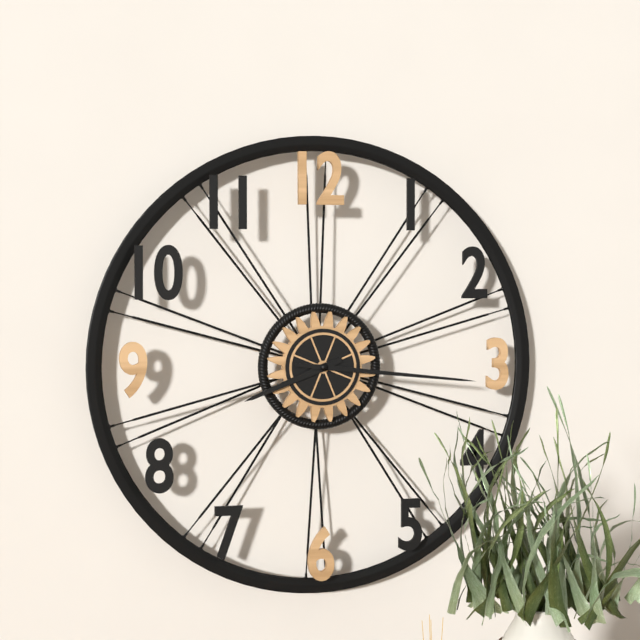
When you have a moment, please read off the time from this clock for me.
8:16
